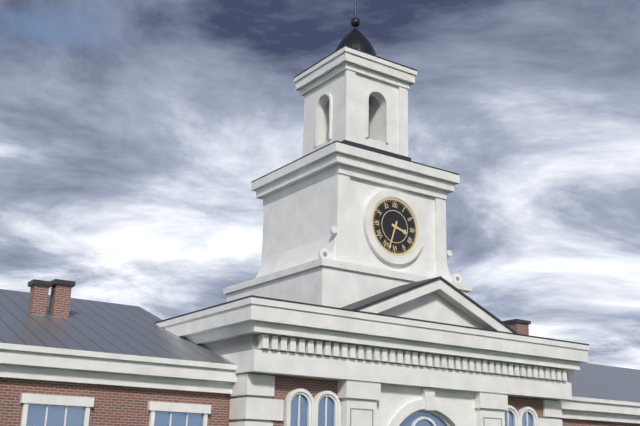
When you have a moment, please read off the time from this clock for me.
3:33
